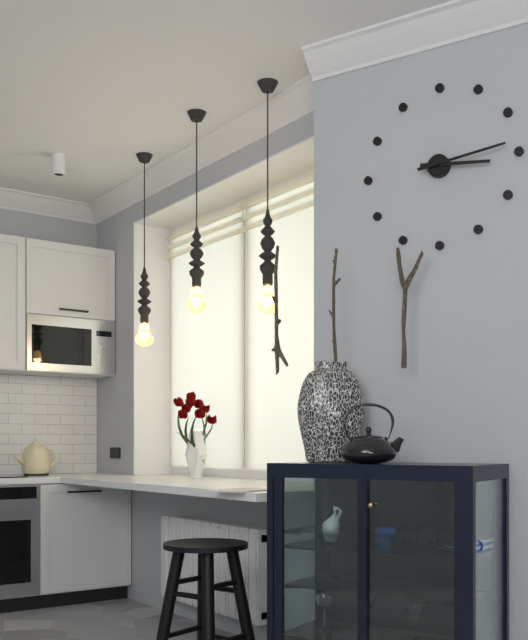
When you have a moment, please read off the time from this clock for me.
3:14
